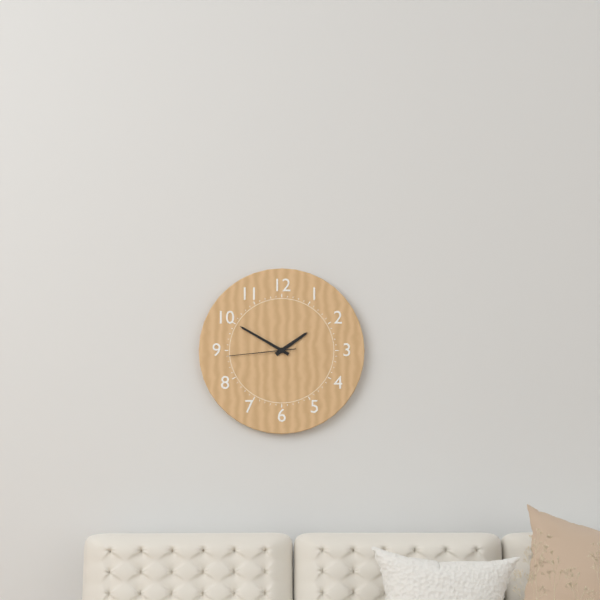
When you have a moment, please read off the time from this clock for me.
1:50:44
